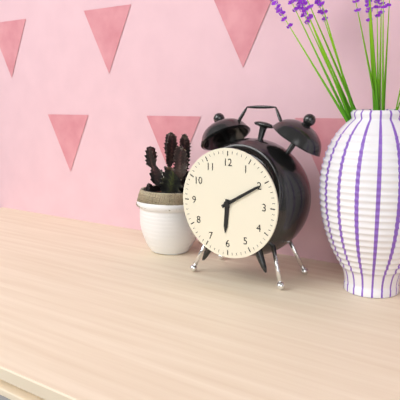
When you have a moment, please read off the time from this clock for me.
6:10
